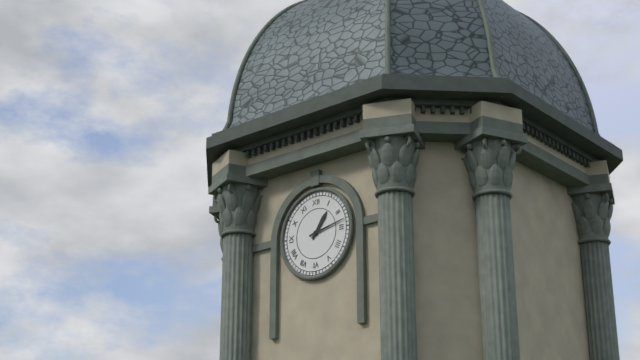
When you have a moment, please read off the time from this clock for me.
1:13
